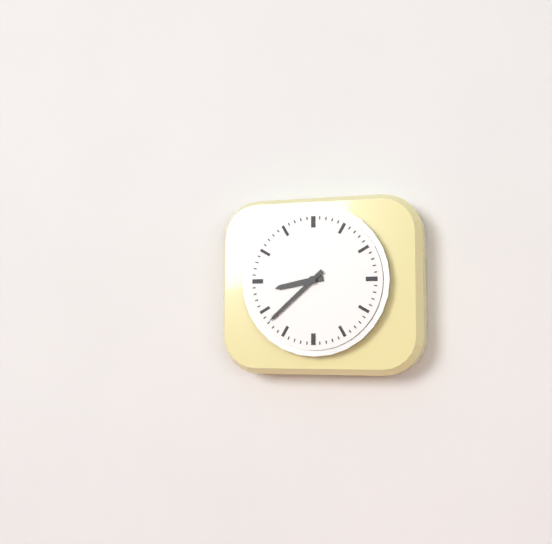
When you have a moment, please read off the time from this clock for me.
8:38
